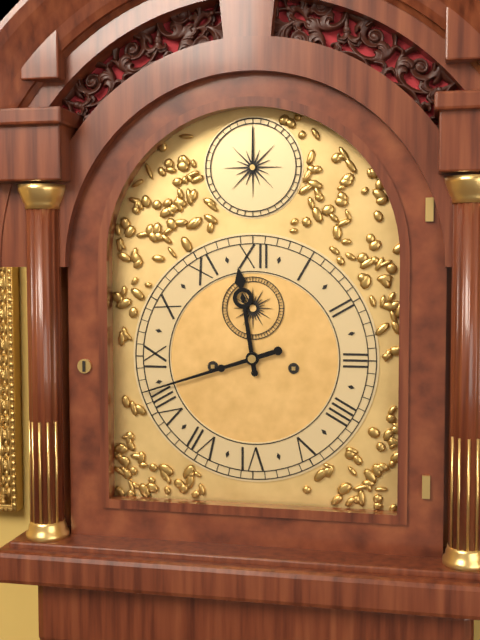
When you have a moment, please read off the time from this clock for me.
11:42
